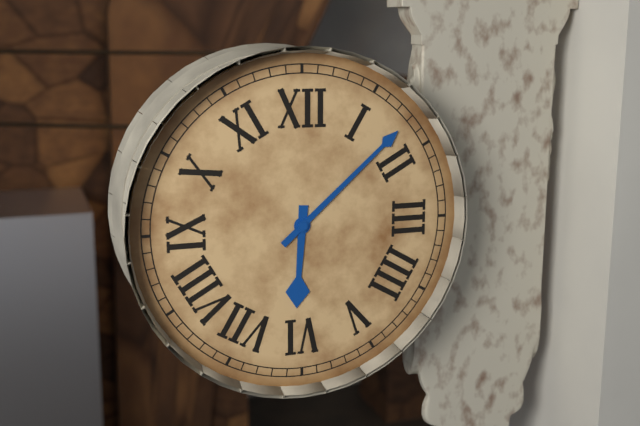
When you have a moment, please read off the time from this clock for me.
6:08
